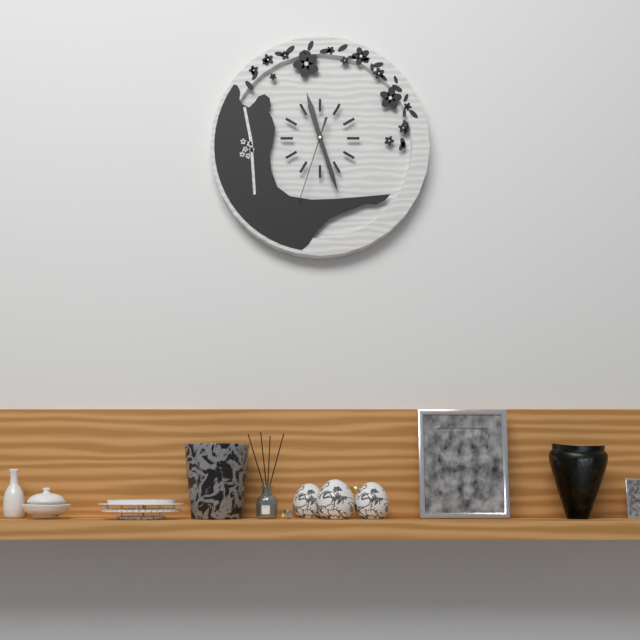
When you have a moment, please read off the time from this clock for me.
11:27:33
